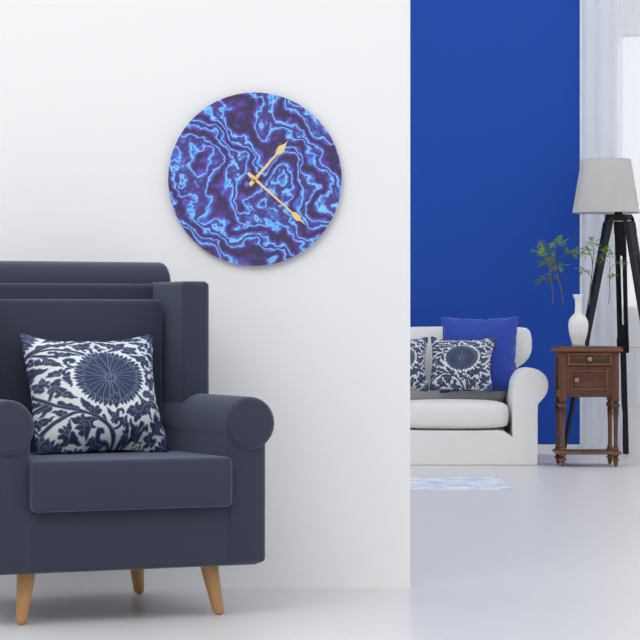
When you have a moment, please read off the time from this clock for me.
1:22
